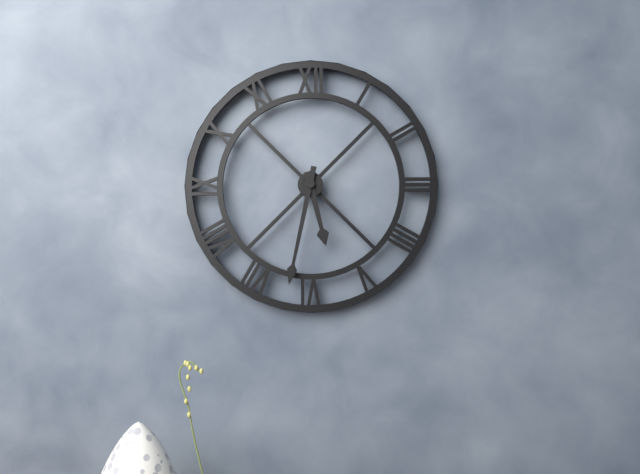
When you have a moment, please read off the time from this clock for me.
5:32
